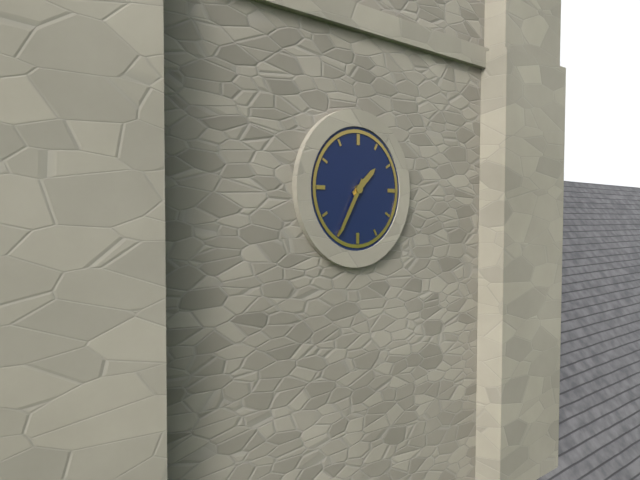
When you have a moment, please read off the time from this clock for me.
1:35
